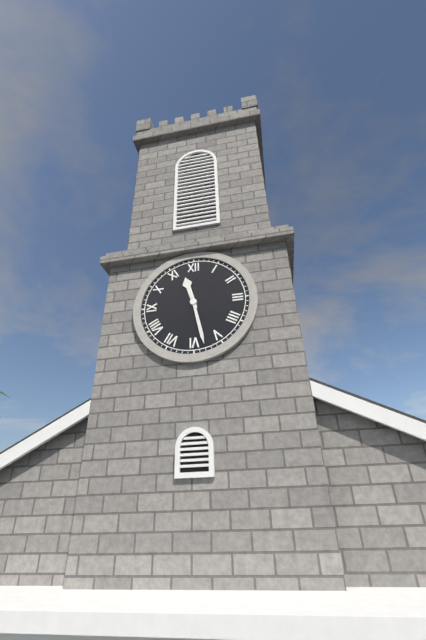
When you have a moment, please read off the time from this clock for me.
11:28
